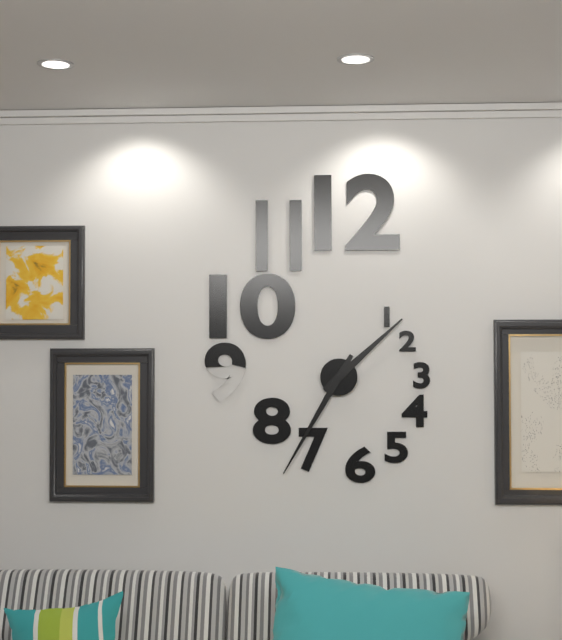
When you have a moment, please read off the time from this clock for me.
1:35
